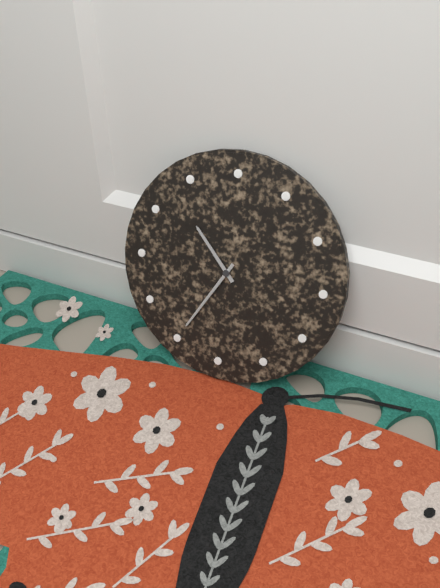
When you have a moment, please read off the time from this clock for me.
10:35
